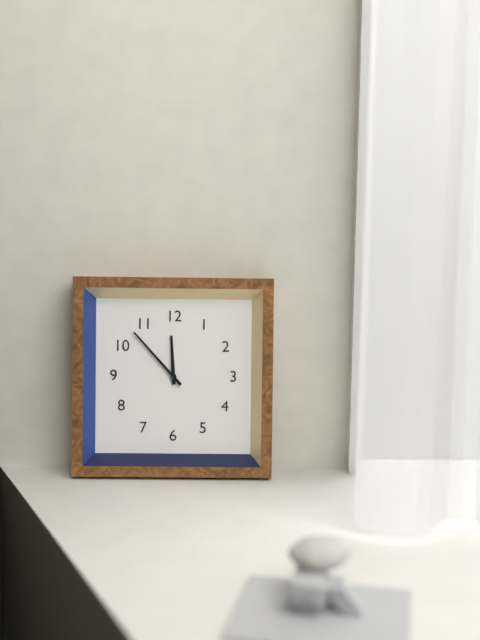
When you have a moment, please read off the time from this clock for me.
11:53
